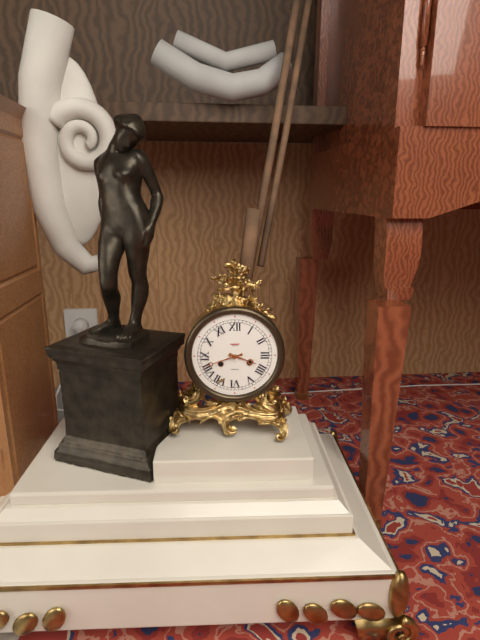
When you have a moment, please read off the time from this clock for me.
3:42
